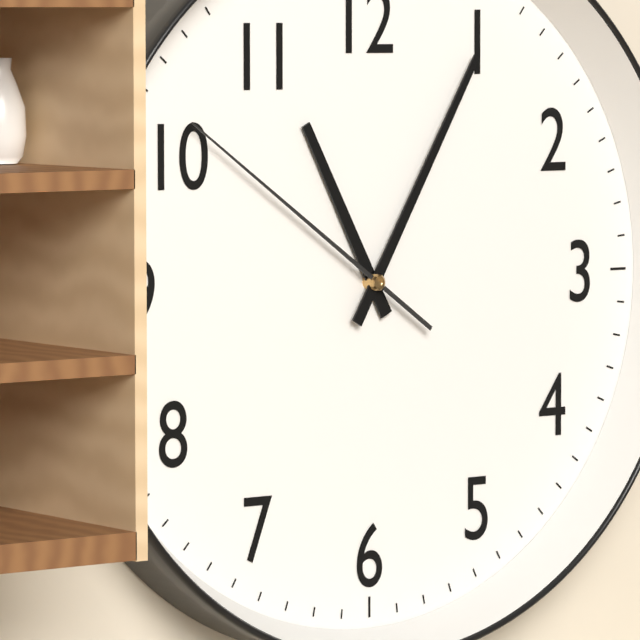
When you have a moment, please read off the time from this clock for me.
11:05:51
